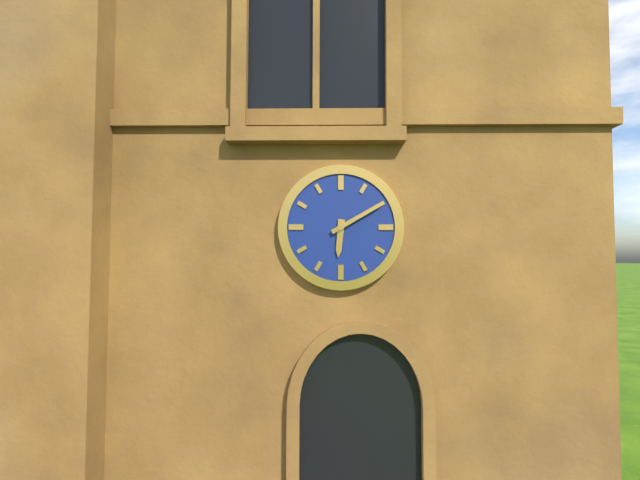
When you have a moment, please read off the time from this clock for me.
6:10
